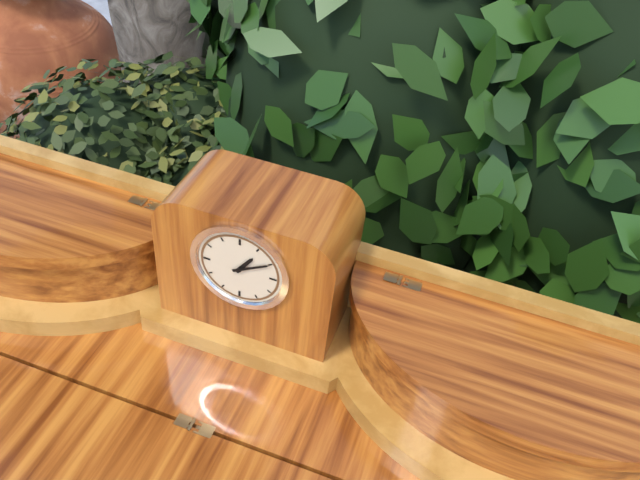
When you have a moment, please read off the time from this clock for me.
1:10
